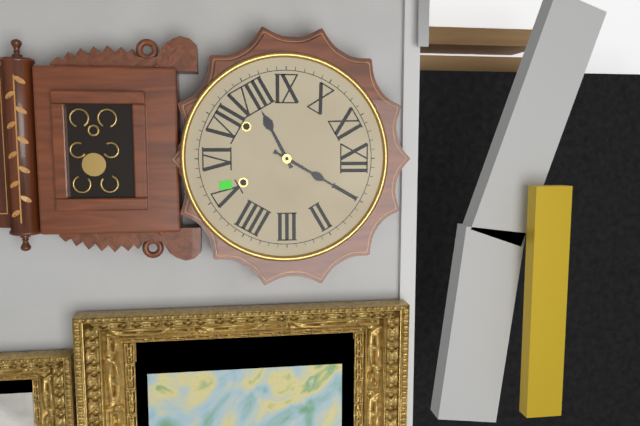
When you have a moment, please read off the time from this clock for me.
8:05
